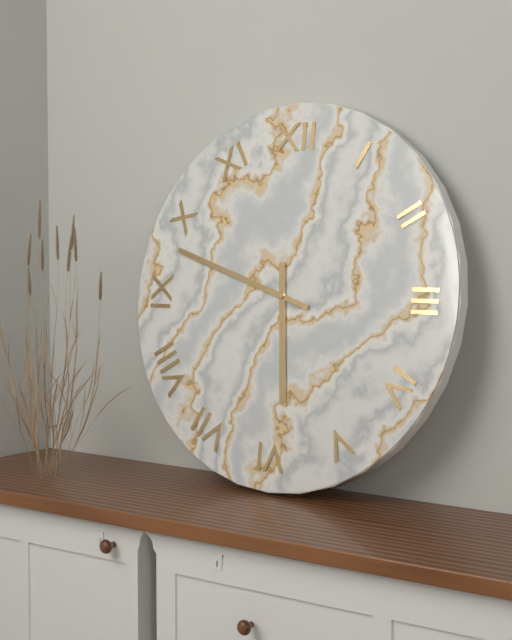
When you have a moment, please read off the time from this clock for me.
5:48
